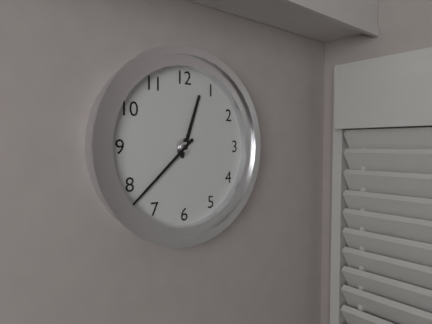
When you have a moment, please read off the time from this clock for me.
12:38
